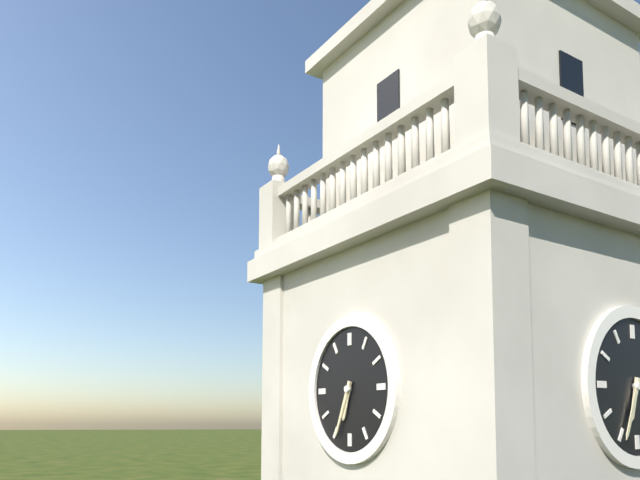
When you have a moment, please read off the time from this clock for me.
6:34
